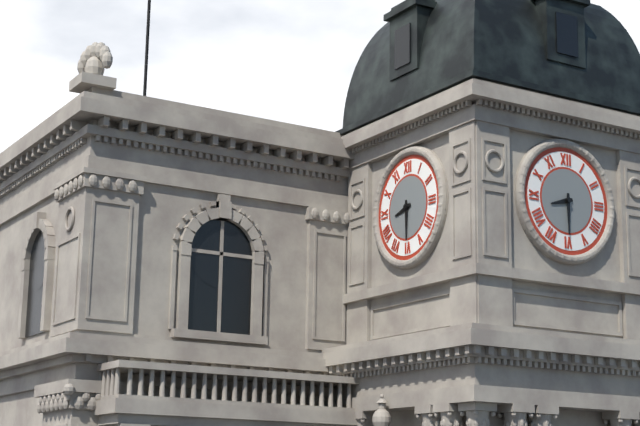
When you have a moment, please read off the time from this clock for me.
8:30
